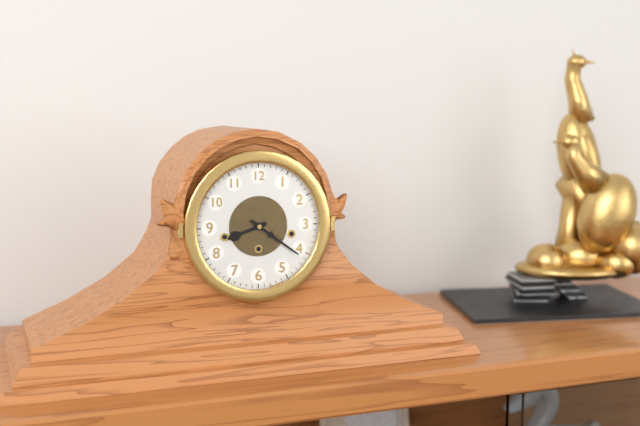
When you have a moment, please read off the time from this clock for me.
8:21
